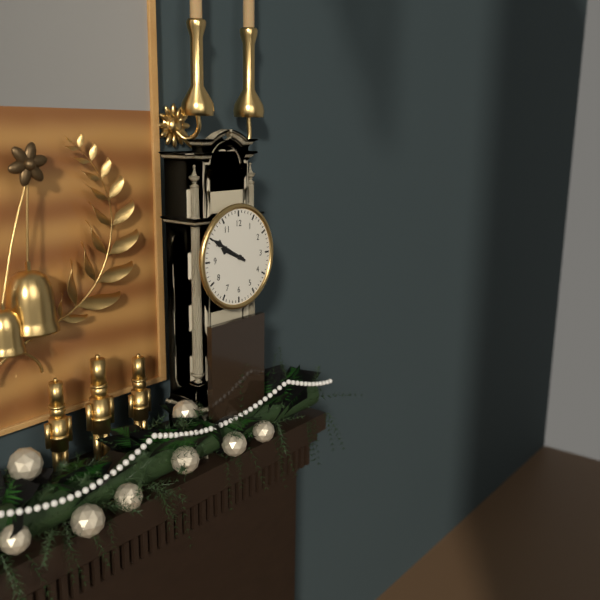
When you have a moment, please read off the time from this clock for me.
9:50
